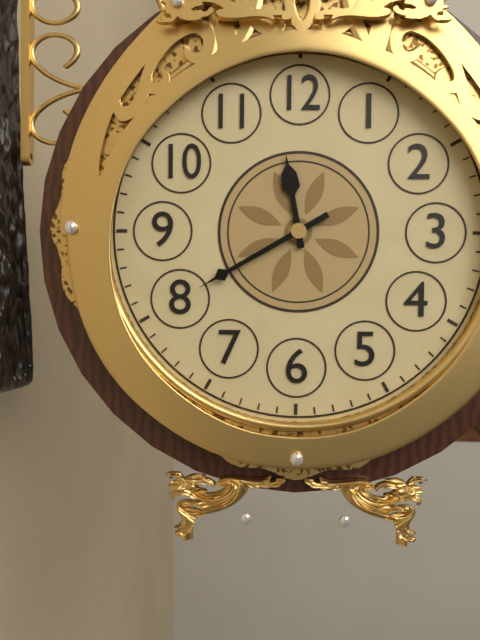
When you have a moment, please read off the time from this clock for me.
11:40
